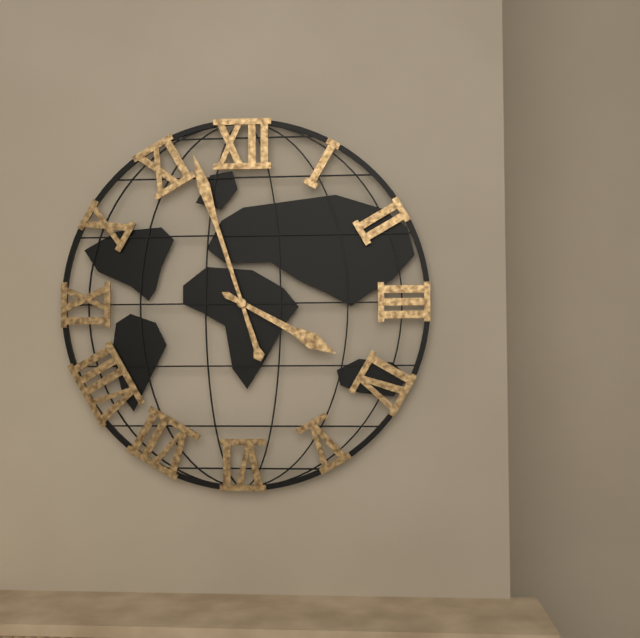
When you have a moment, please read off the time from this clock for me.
3:57
